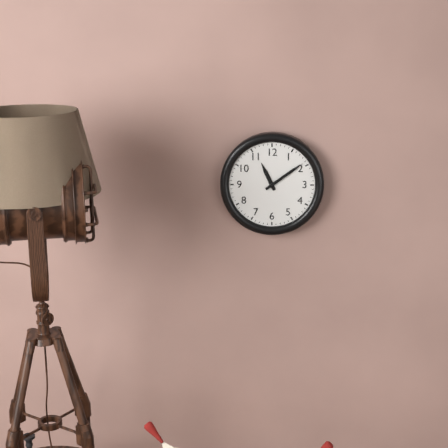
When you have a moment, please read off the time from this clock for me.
11:09
